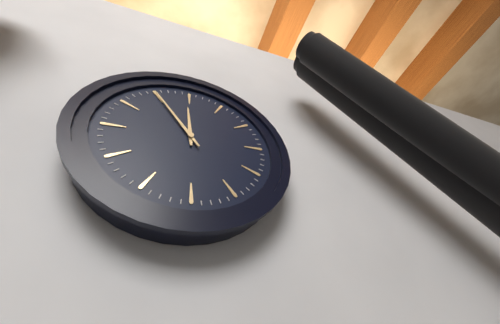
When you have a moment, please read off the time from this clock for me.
11:55
